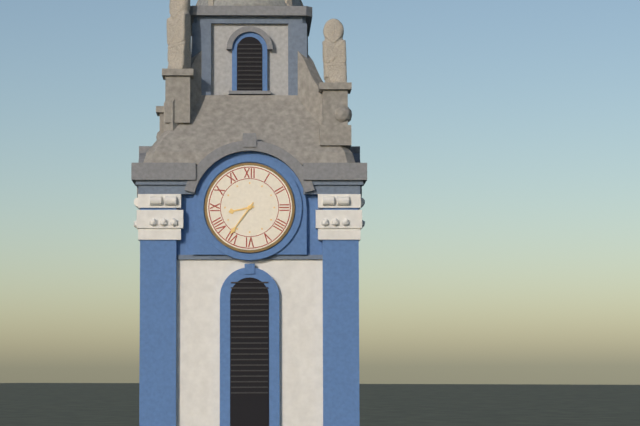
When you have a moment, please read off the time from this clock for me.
8:36
